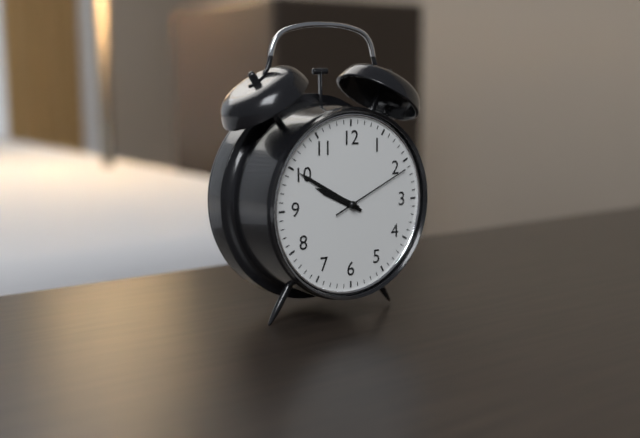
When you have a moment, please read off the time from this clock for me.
9:50:11
